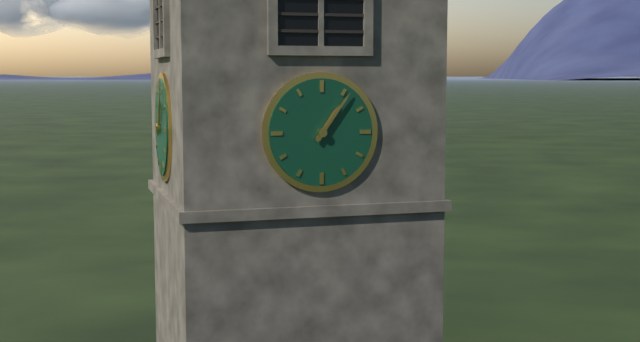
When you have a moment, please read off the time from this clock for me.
1:06
